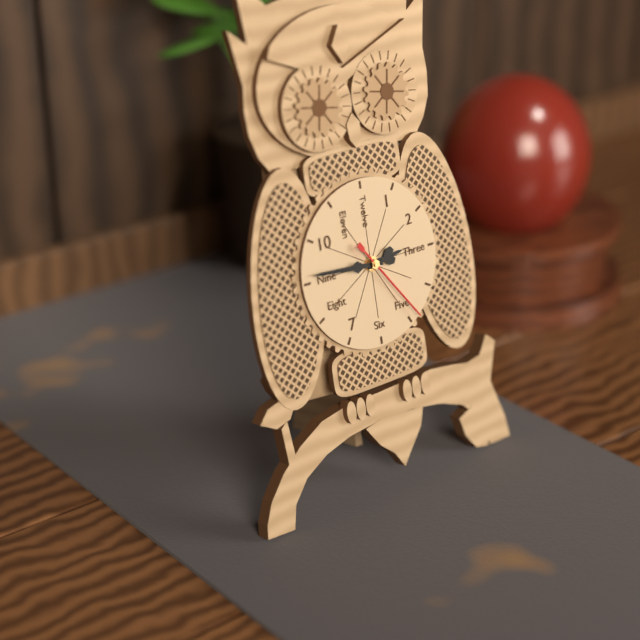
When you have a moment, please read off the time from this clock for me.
2:46:24
